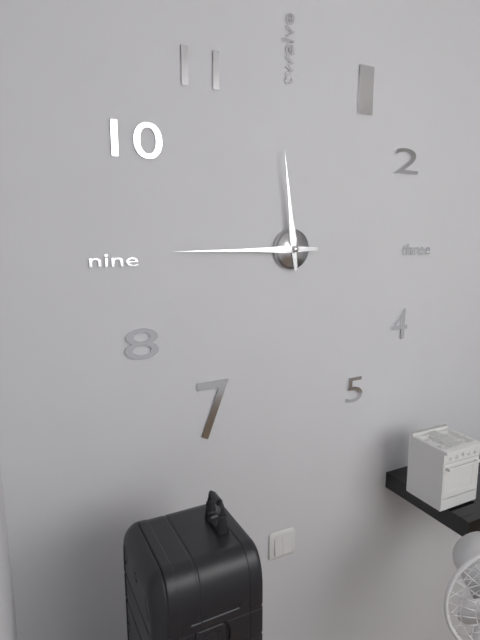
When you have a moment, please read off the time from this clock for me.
11:45
